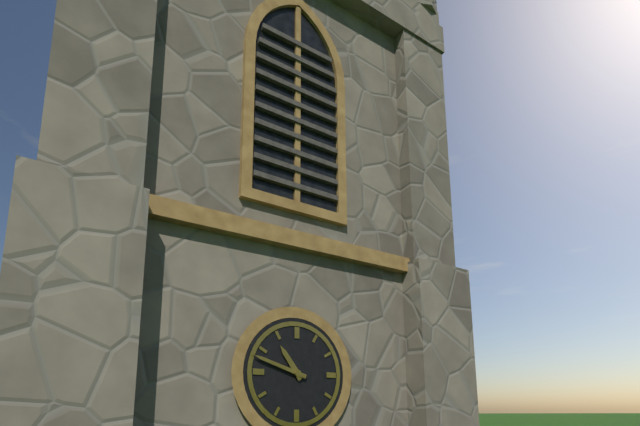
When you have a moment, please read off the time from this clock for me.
10:48
